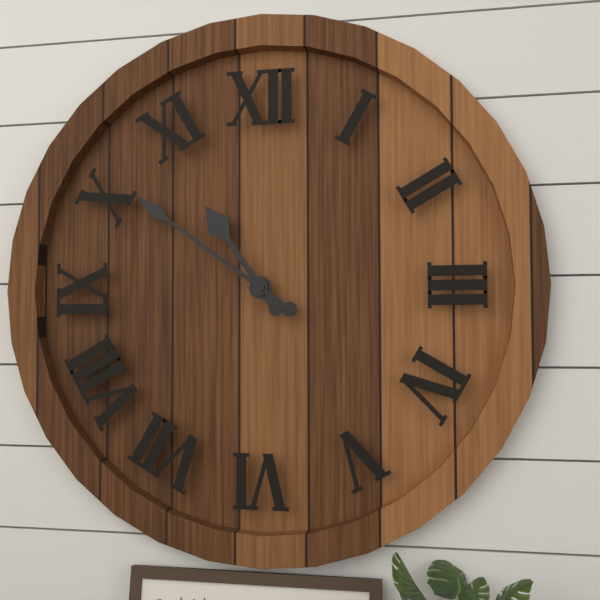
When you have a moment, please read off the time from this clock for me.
10:51
